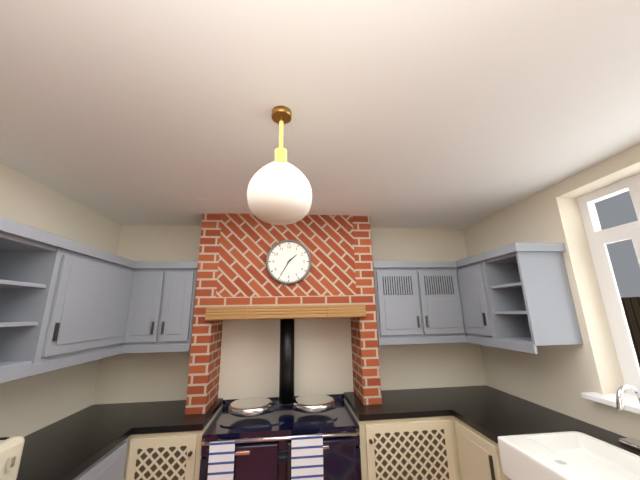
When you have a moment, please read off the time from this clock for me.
1:35
